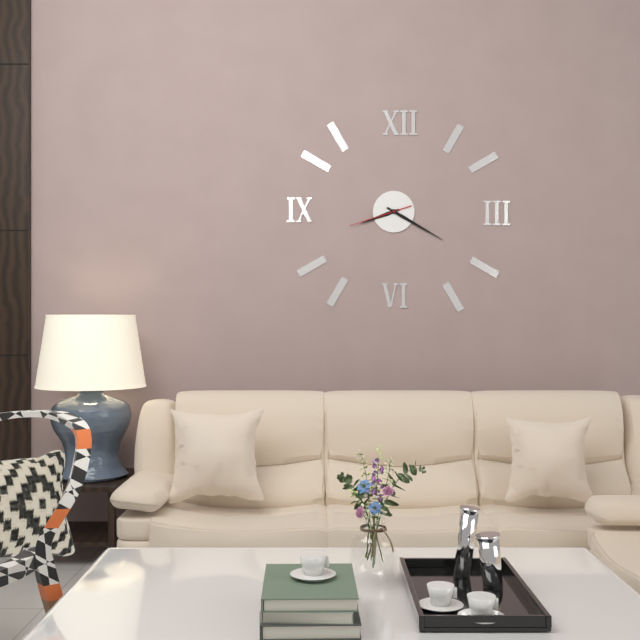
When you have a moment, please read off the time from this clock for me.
8:20:42
